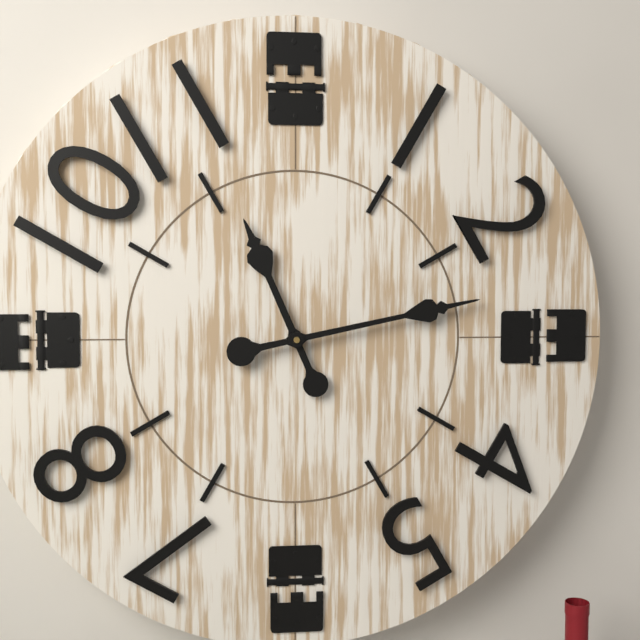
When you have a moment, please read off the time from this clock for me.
11:13
